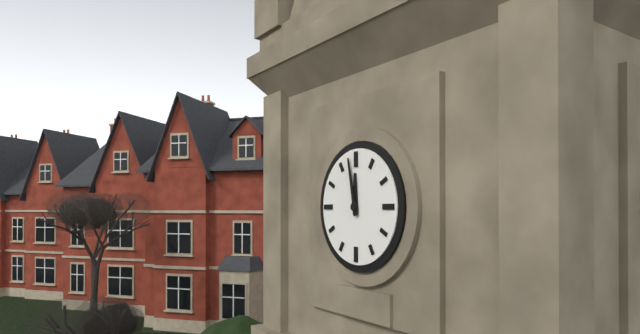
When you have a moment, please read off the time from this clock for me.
11:58
